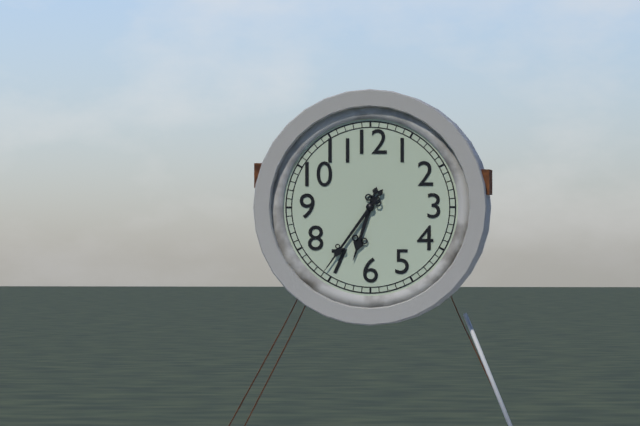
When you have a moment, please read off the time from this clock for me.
6:36
